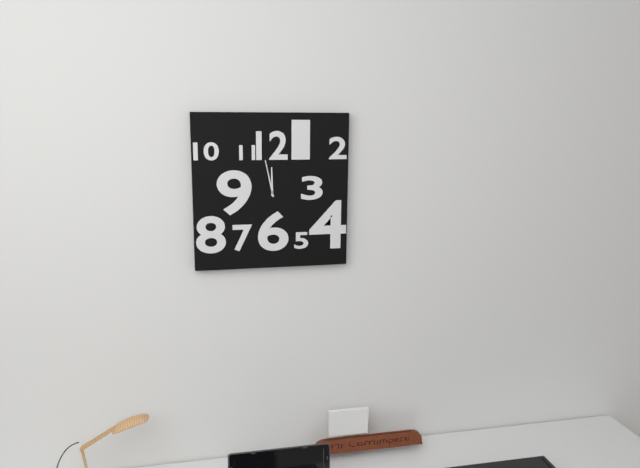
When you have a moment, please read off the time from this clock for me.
11:58
